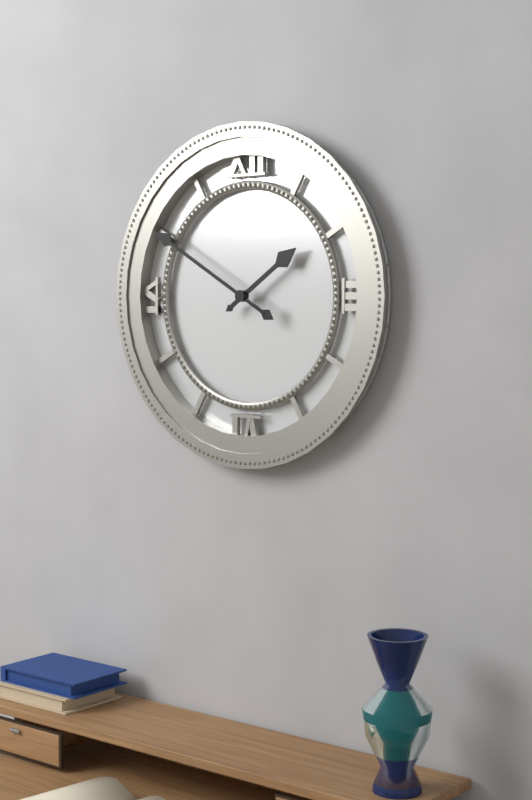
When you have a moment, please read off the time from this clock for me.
1:50
